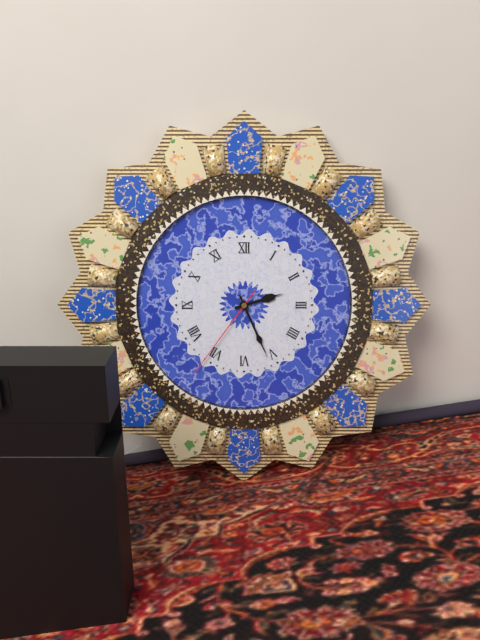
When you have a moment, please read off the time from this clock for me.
2:26:36
